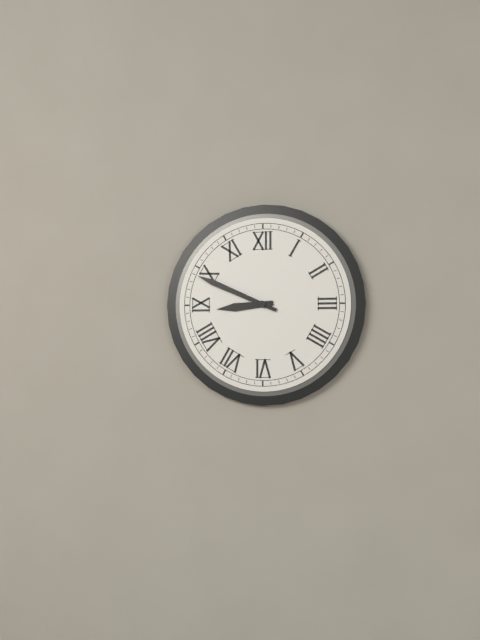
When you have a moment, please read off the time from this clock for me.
8:49
